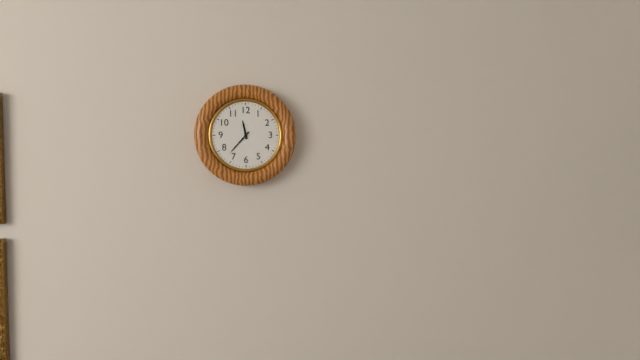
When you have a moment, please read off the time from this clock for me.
11:37
